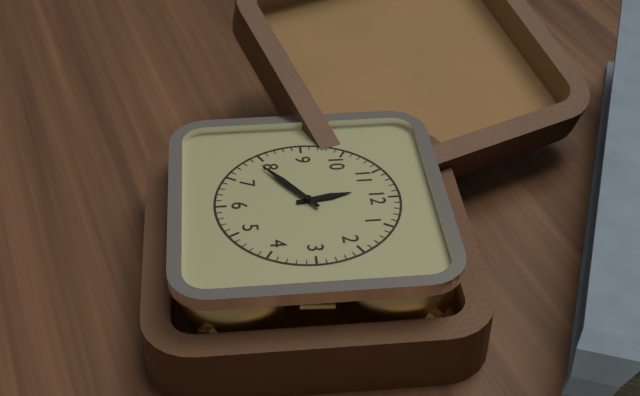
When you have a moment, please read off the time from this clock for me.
11:39
